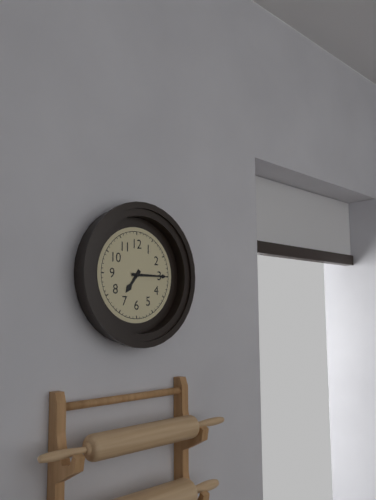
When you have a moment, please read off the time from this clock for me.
7:15
